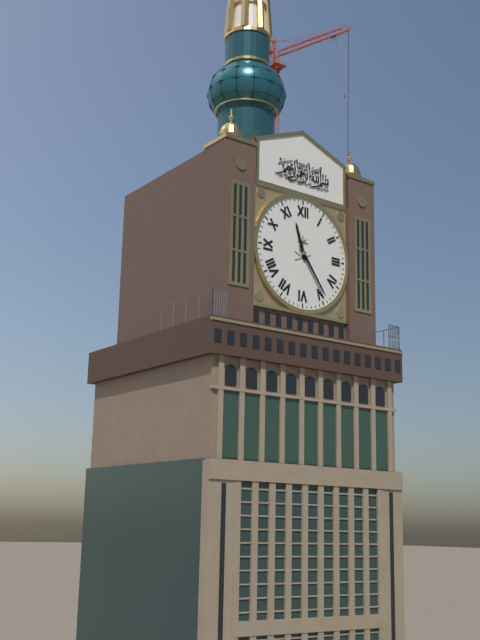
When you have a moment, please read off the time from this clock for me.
11:24
